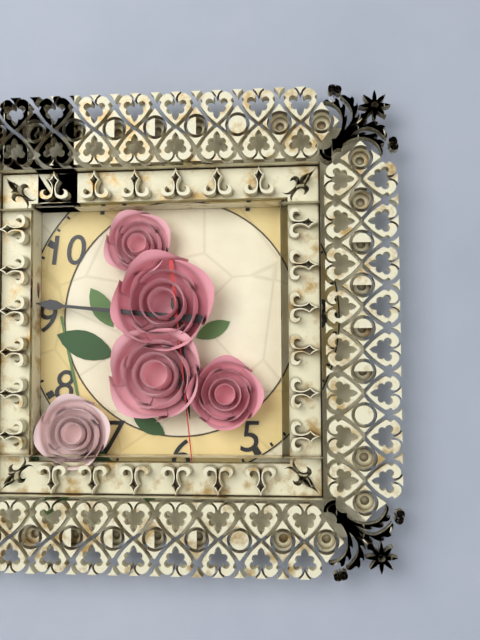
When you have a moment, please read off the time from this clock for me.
5:46:29
